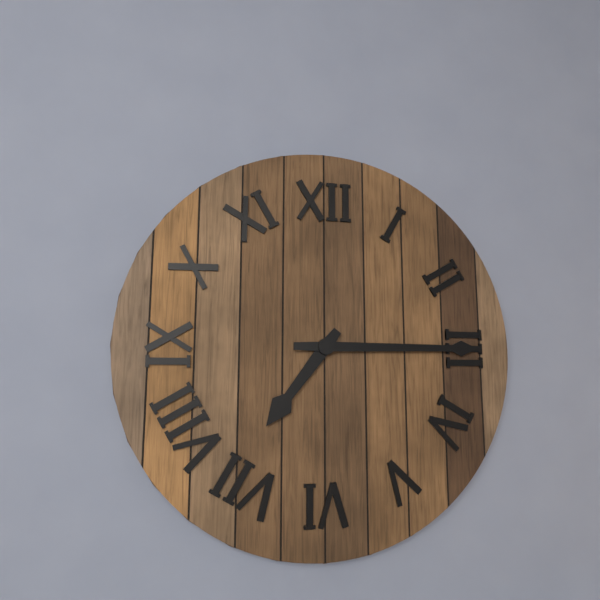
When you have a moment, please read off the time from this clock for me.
7:15
